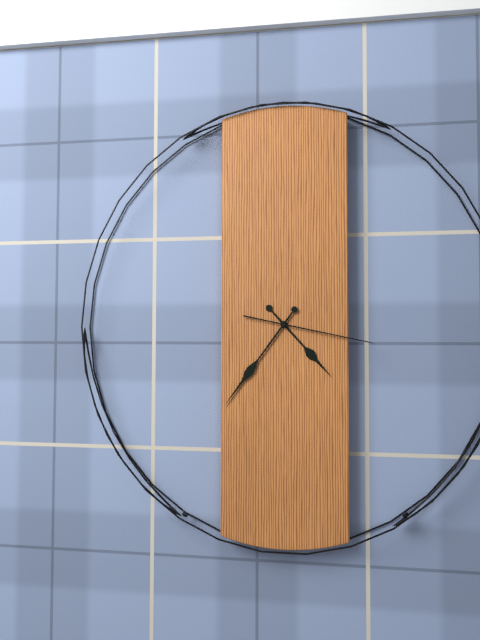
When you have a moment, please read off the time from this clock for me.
4:36:17
